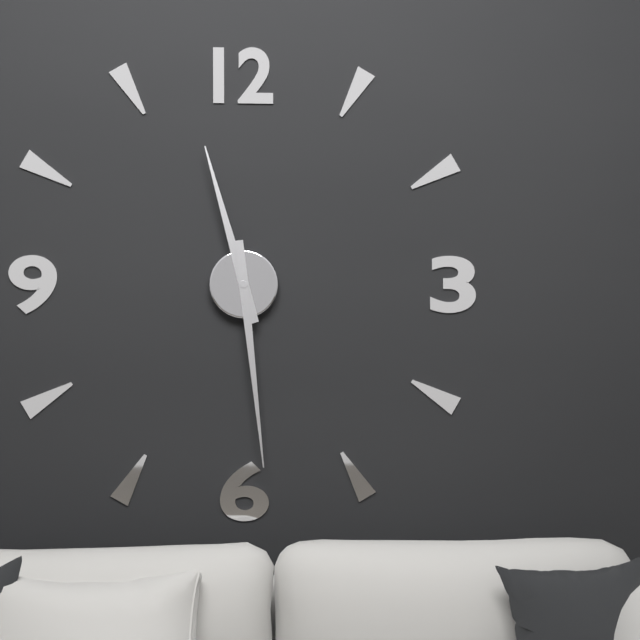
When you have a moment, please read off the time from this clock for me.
11:29
